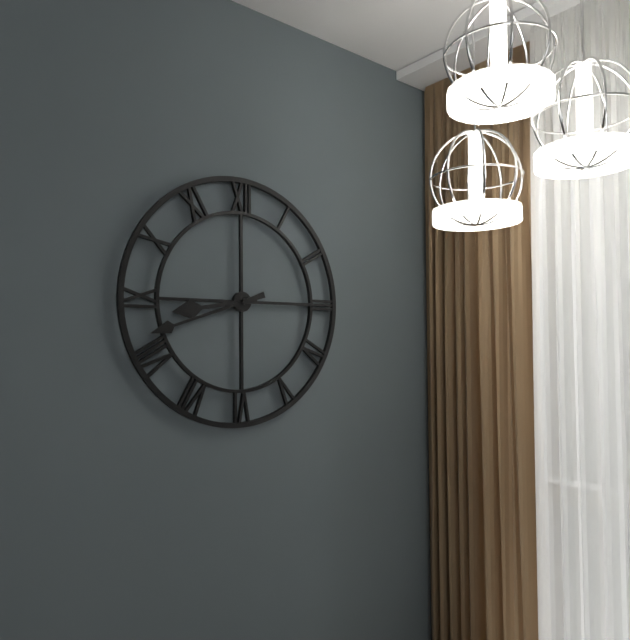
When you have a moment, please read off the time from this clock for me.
8:42
